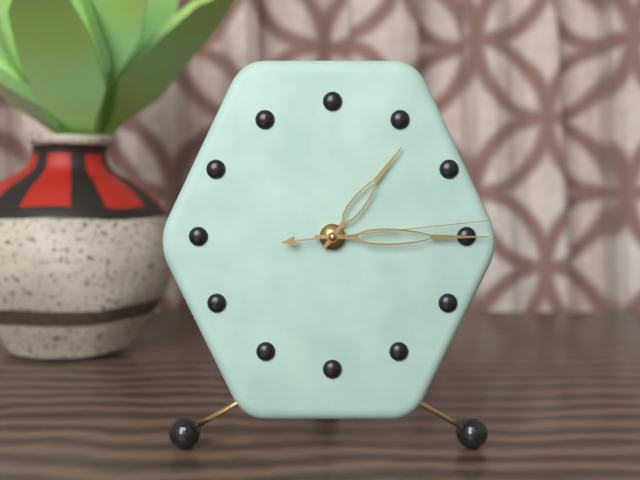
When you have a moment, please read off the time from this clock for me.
1:15:14
